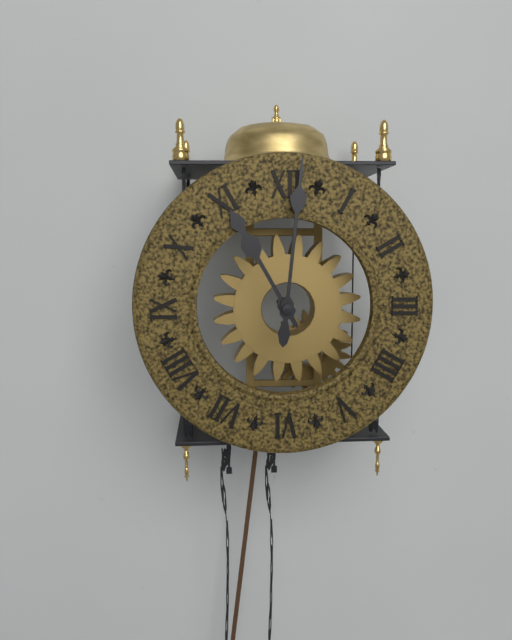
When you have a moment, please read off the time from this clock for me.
11:01
